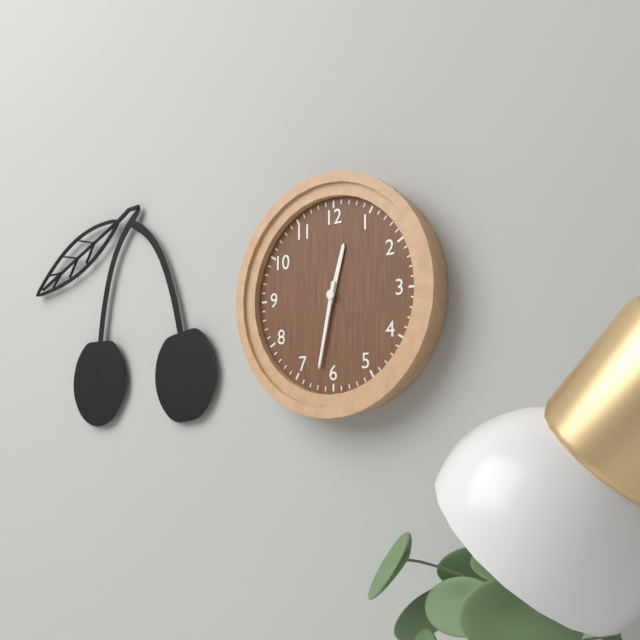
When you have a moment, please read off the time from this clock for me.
12:32
